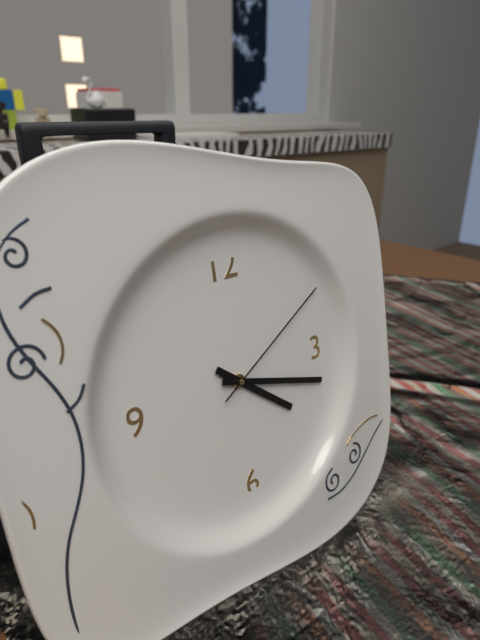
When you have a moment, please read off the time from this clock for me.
4:18:10
